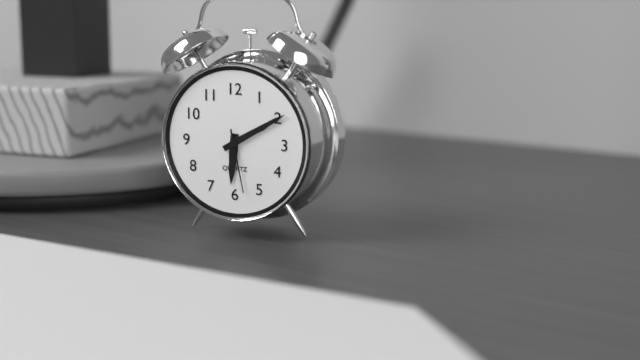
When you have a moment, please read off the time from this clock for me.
6:10:28
